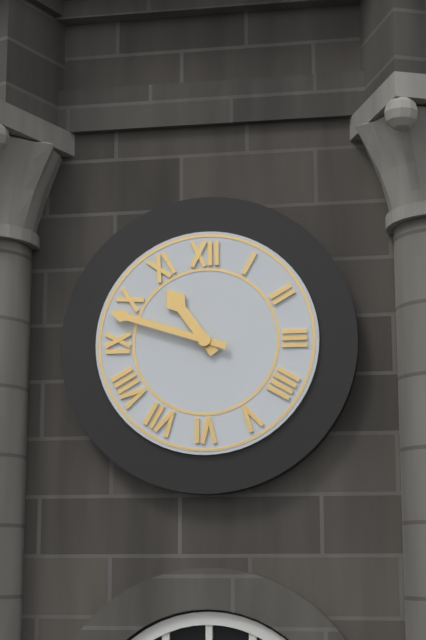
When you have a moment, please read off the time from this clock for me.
10:48
